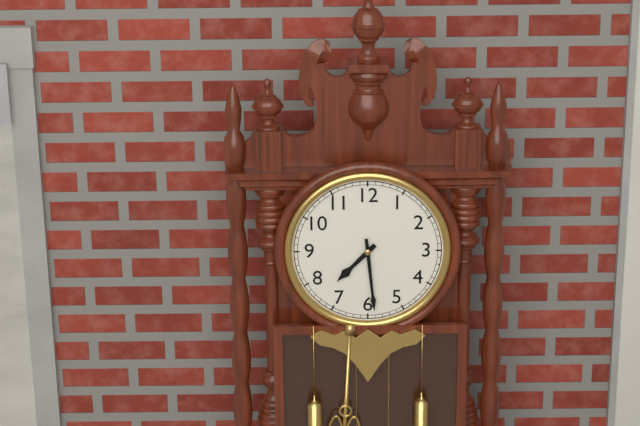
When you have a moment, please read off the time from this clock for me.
7:29
